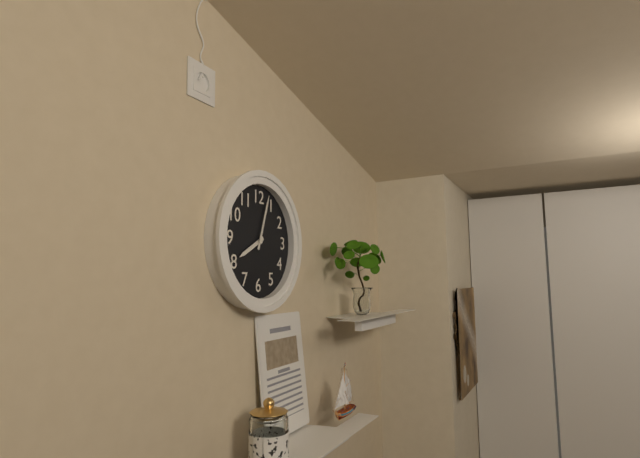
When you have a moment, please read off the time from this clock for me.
8:03
